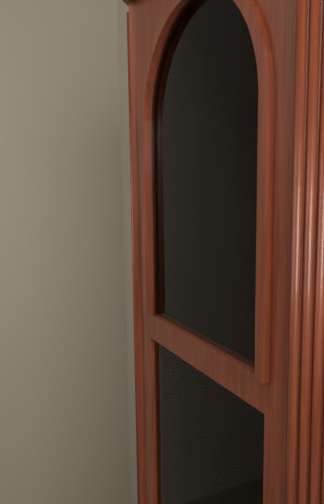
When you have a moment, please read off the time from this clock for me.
11:21
